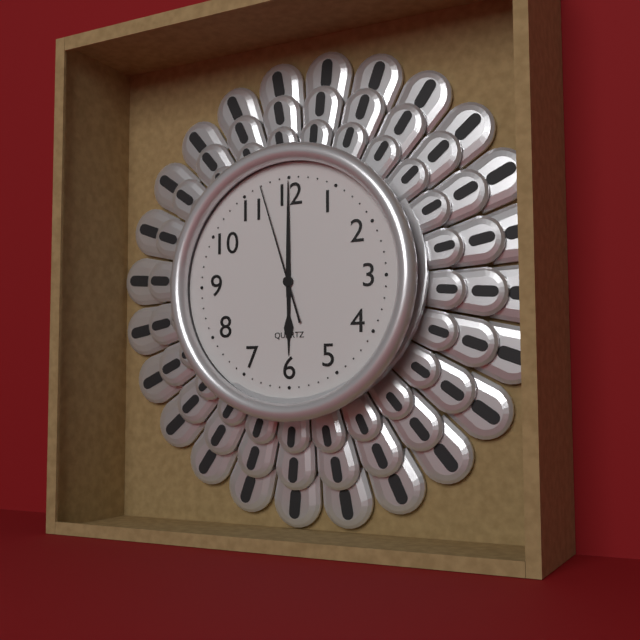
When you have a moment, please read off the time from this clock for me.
6:00:57
